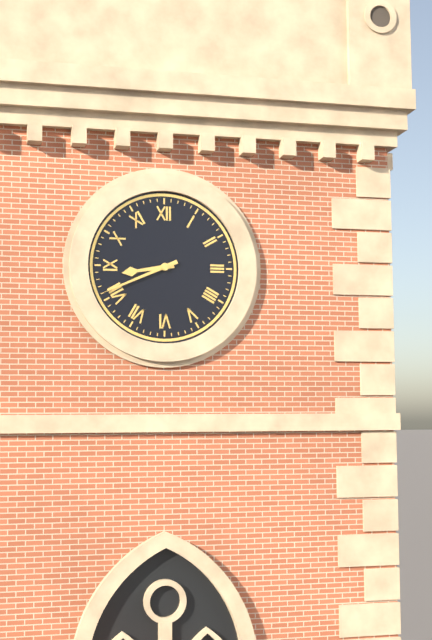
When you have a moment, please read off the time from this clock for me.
8:41
